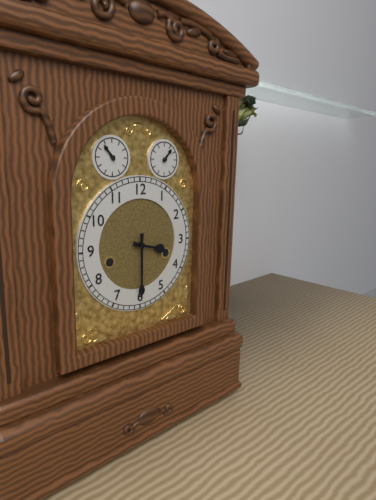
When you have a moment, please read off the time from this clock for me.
3:30
